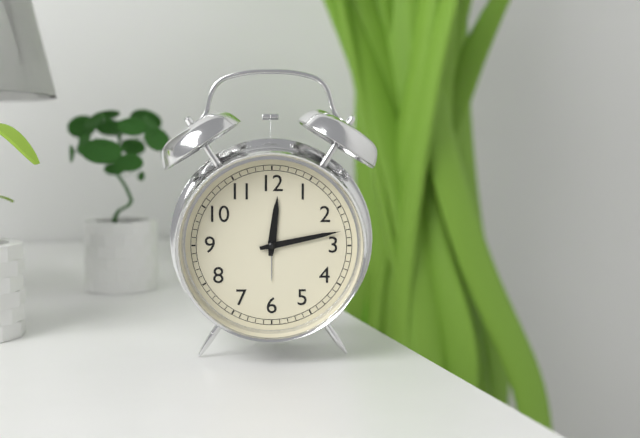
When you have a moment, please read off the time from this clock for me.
12:13
